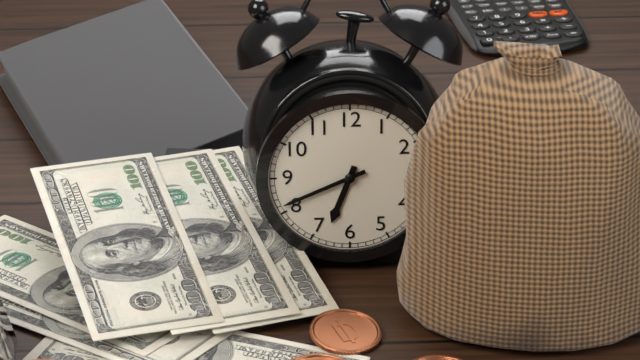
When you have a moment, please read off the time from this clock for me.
6:41
